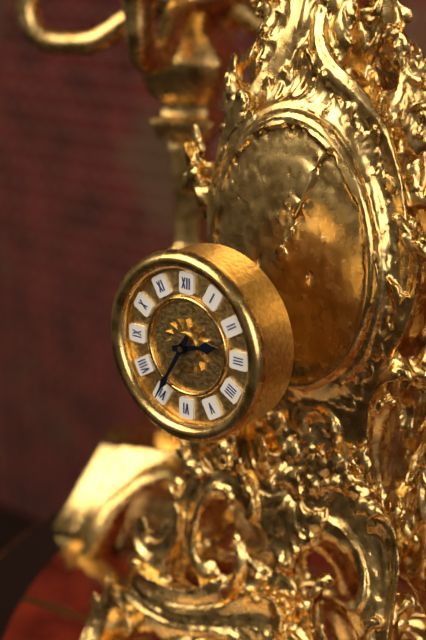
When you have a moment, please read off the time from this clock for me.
2:35
